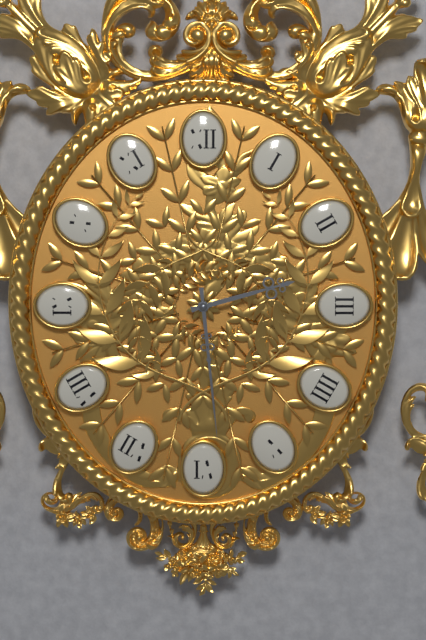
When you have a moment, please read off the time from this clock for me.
2:29
